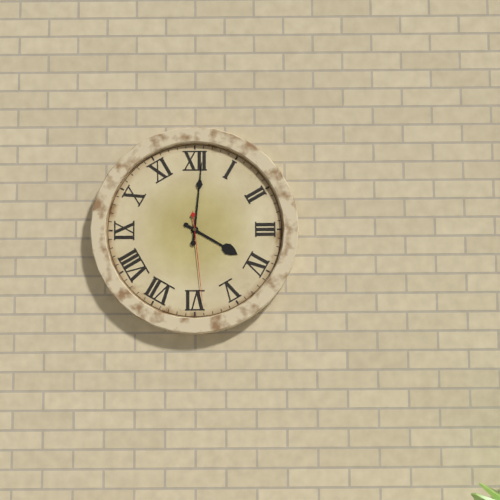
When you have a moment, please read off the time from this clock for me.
4:01:29
